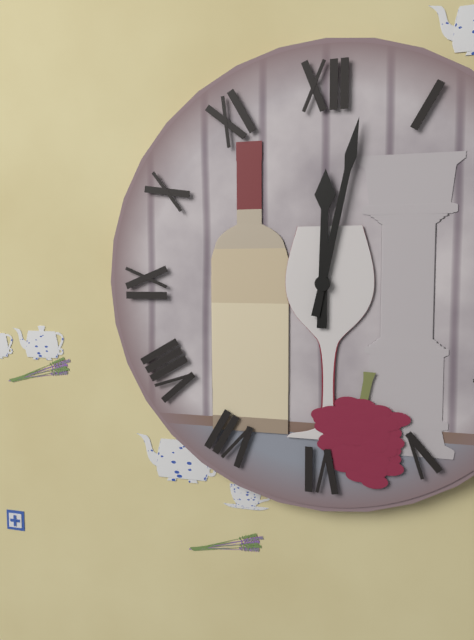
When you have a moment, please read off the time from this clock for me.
12:02
